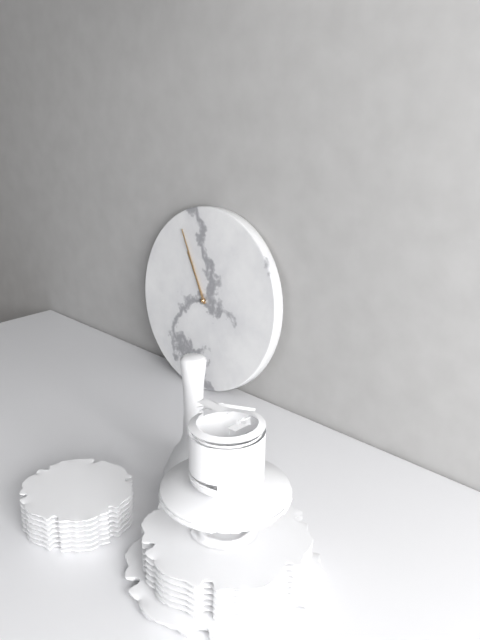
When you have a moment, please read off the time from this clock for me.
10:55
